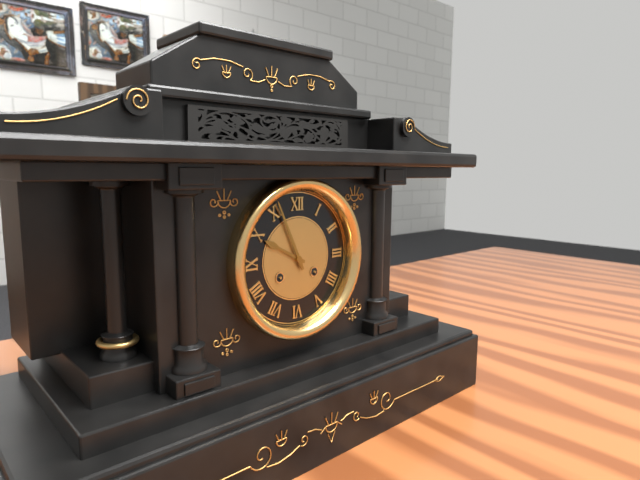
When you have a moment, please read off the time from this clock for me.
9:56
